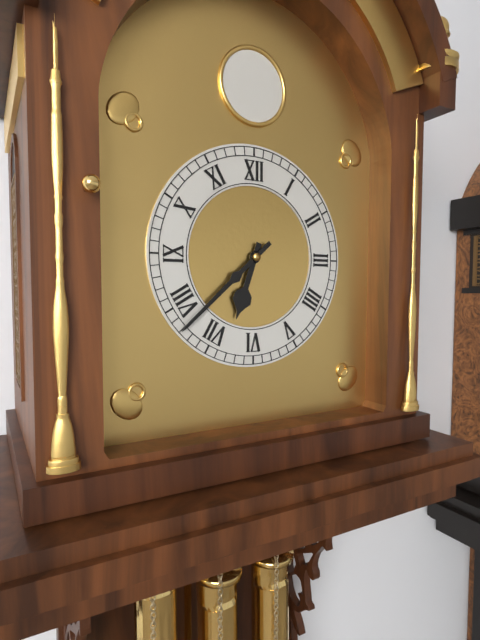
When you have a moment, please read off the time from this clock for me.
6:38
